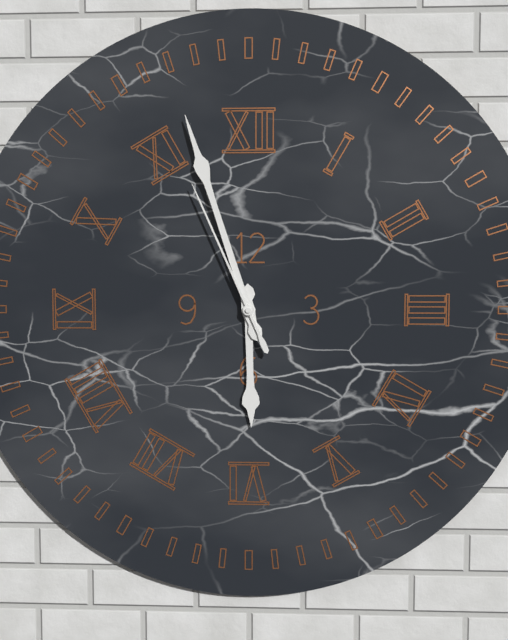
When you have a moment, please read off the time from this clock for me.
5:57:56
